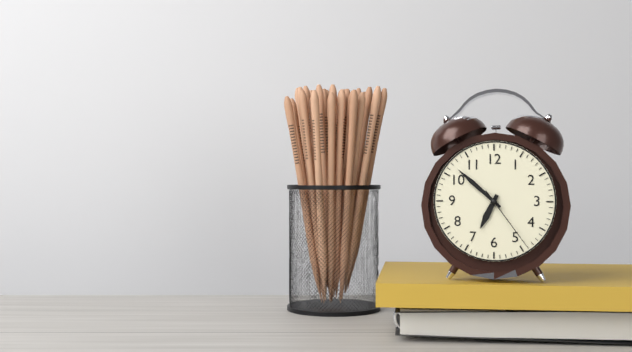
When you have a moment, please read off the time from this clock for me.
6:52:24
